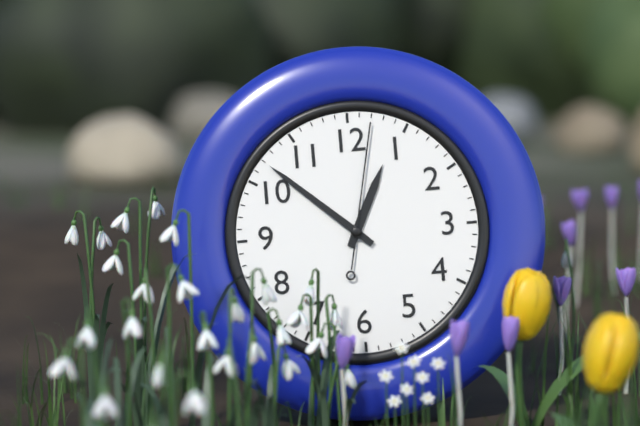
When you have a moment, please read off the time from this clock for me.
12:52:02
